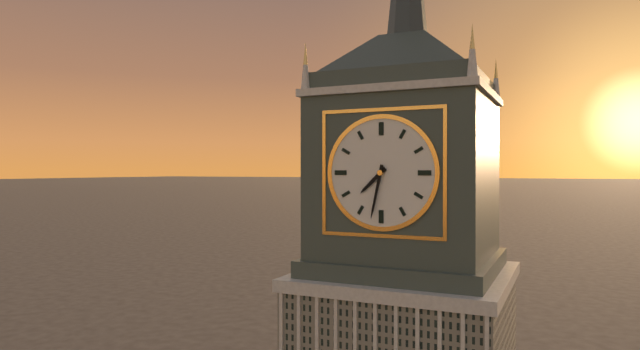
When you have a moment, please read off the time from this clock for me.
7:32
